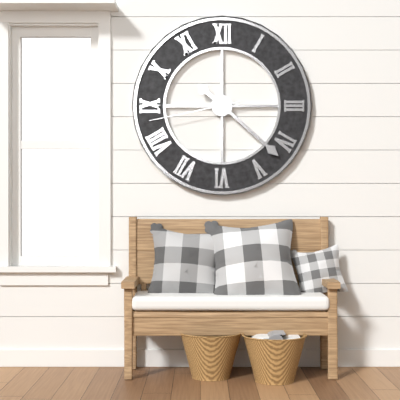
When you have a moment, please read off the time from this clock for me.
10:22:43
